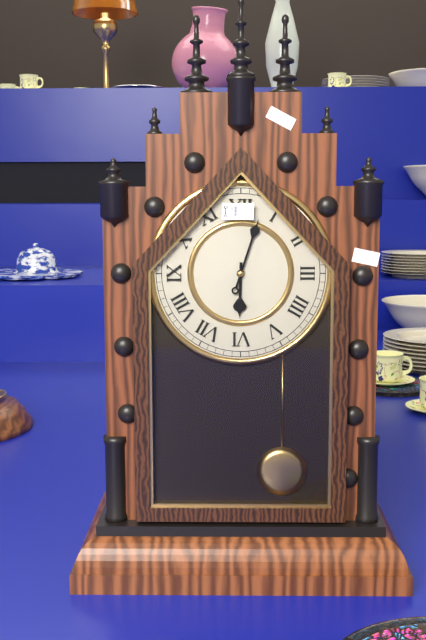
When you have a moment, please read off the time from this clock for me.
6:03
